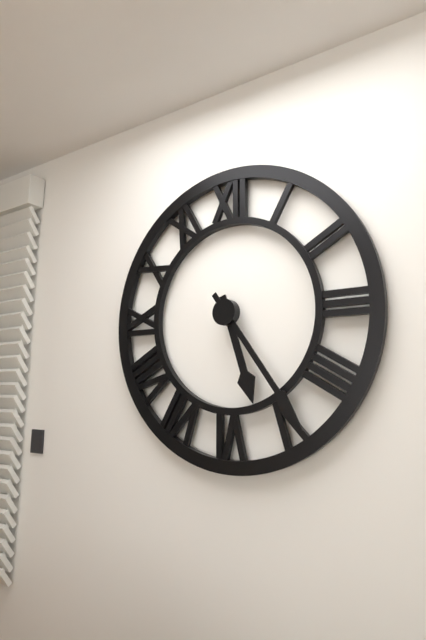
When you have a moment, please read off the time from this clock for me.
5:24
